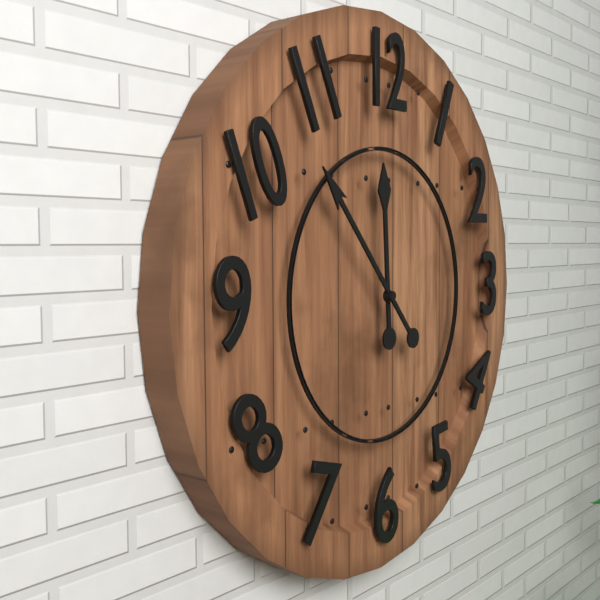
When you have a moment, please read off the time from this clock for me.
11:53
